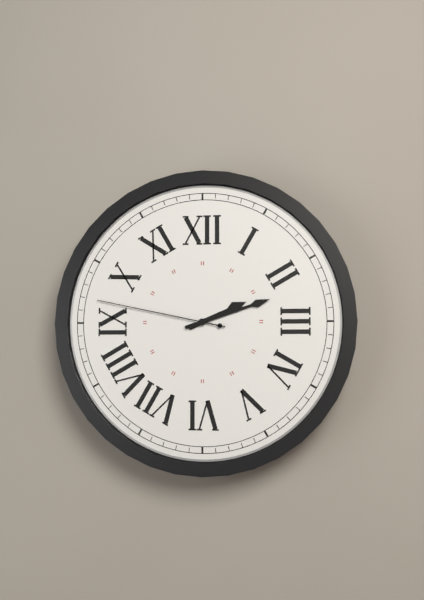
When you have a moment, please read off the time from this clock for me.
2:12:47
